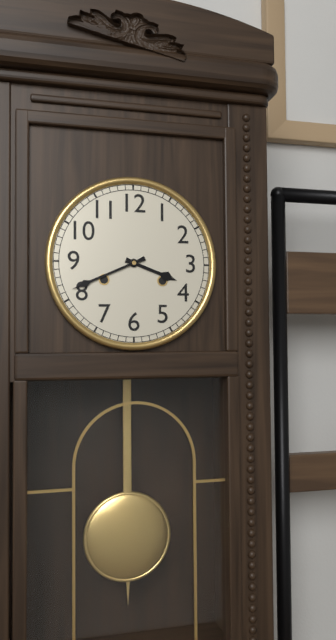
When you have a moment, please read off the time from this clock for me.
3:41
